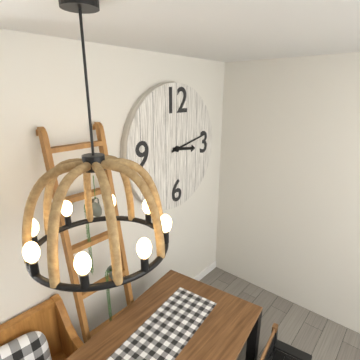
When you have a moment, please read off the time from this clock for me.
3:13
